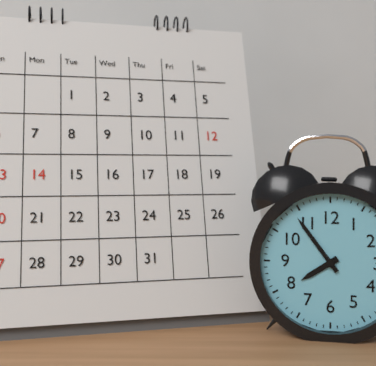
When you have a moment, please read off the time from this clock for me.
7:54
